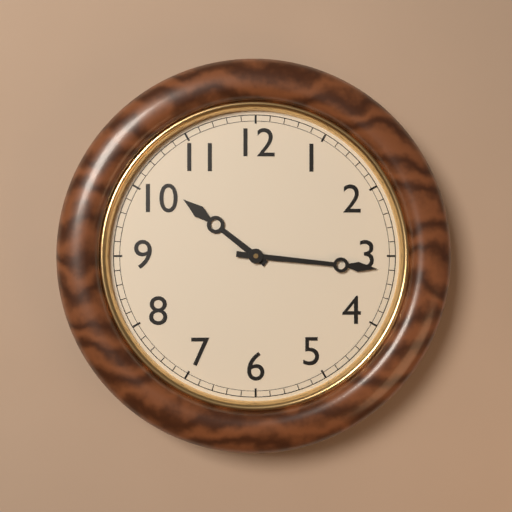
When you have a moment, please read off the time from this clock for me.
10:16
